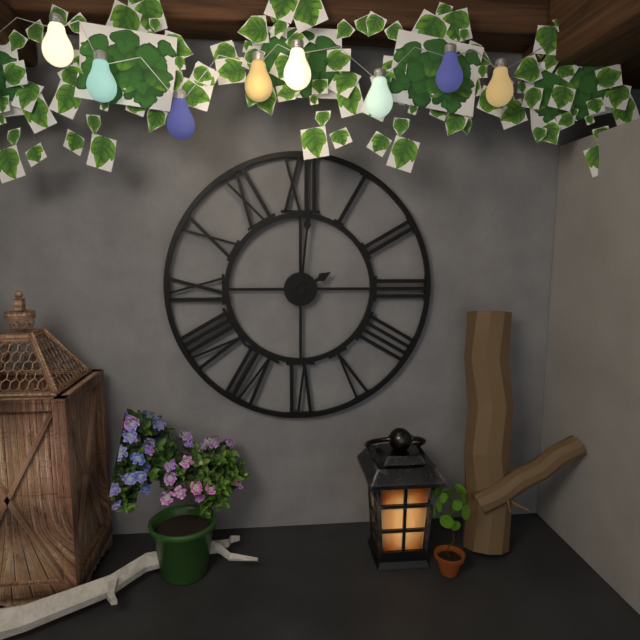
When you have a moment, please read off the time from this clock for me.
2:01
